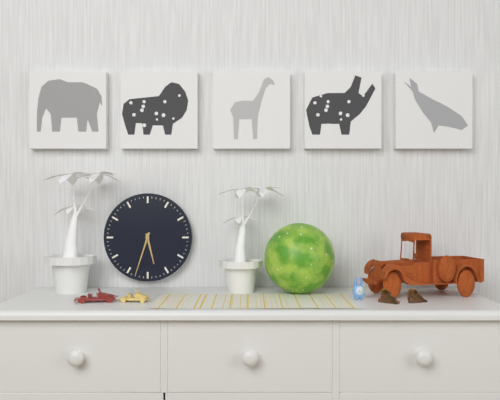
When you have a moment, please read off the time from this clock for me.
5:33
